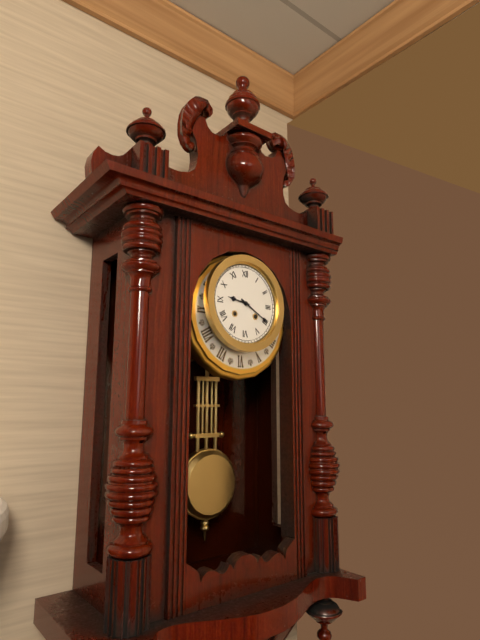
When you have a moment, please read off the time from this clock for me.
9:20
